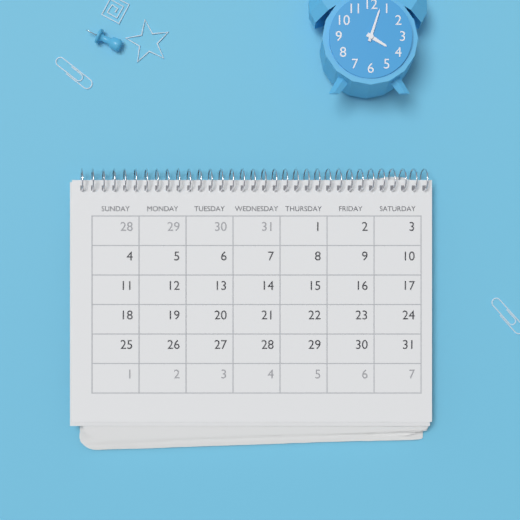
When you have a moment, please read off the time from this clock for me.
4:03
